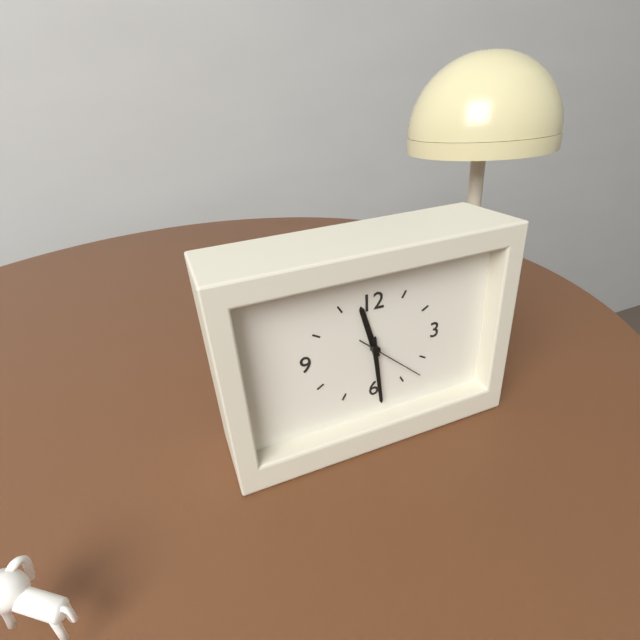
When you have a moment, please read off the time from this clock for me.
11:29:22
